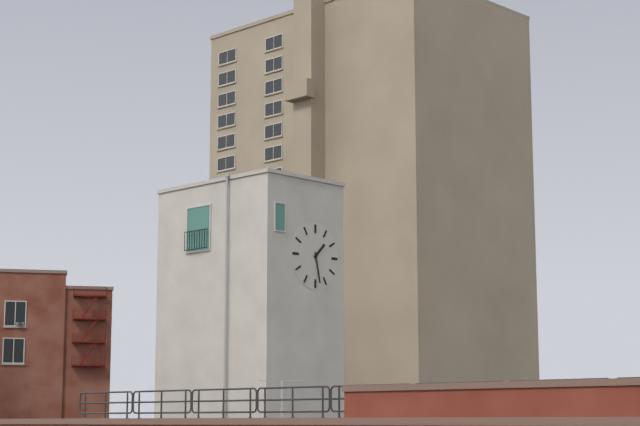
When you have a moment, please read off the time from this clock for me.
1:28
